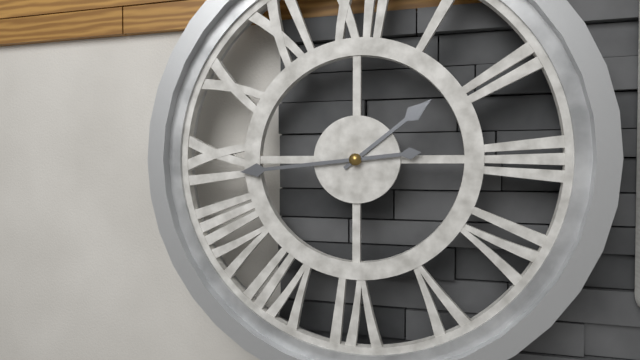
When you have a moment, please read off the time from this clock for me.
1:44
